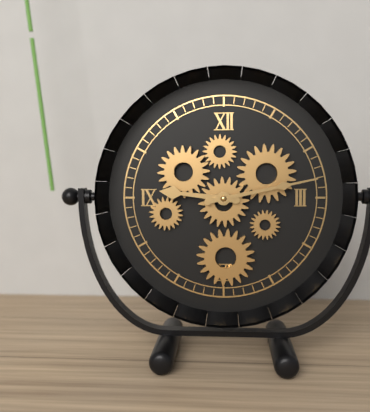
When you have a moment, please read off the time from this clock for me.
9:13
